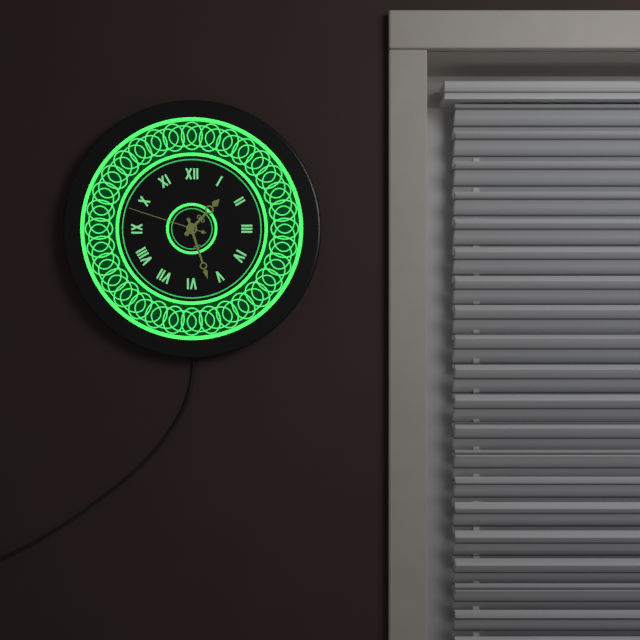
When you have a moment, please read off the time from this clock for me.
1:27:48
